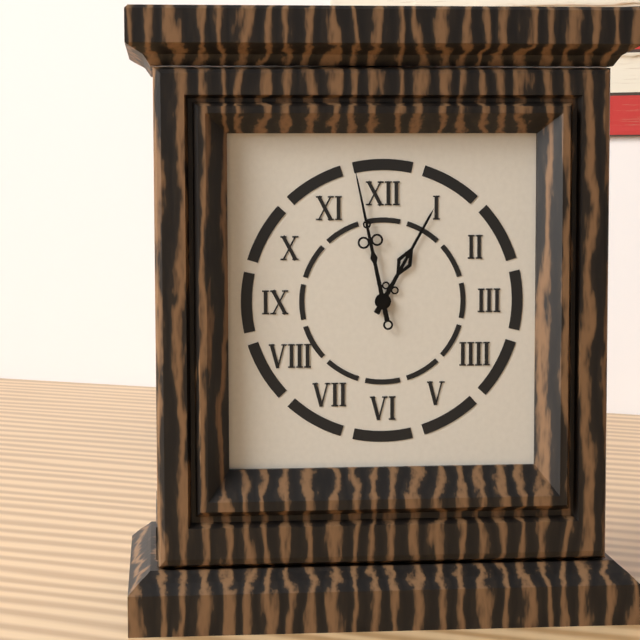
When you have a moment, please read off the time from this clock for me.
12:58
